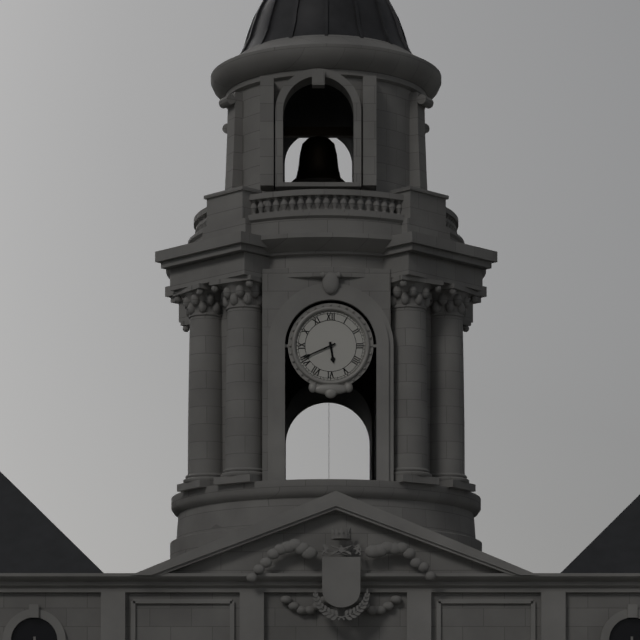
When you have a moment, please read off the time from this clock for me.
5:41
